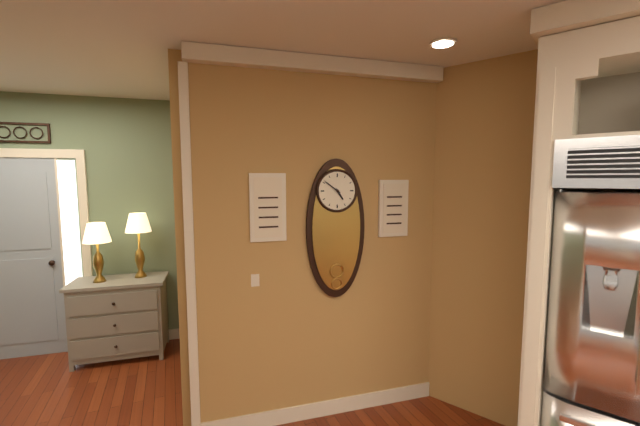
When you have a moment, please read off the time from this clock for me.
4:51
